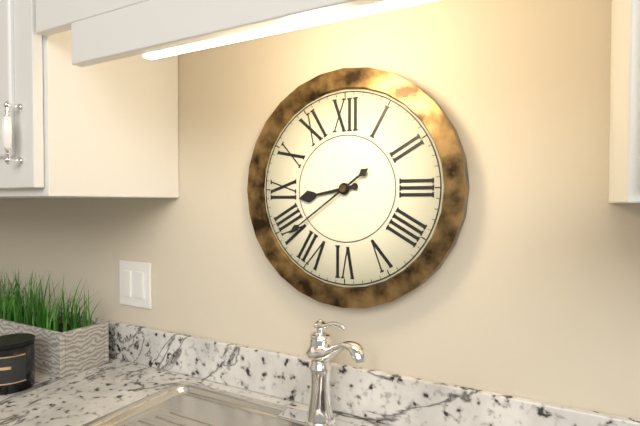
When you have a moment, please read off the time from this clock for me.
8:39
